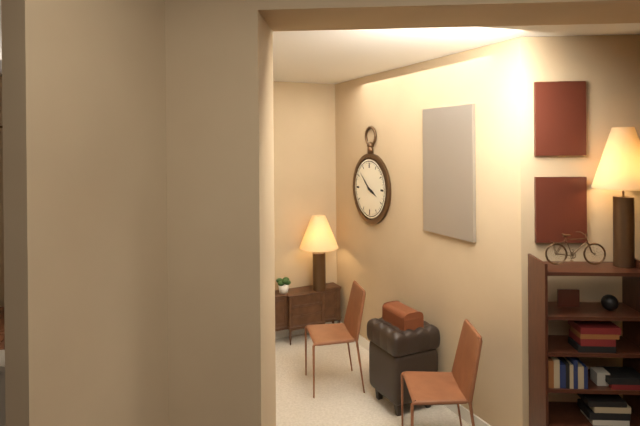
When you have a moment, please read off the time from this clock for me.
3:52
